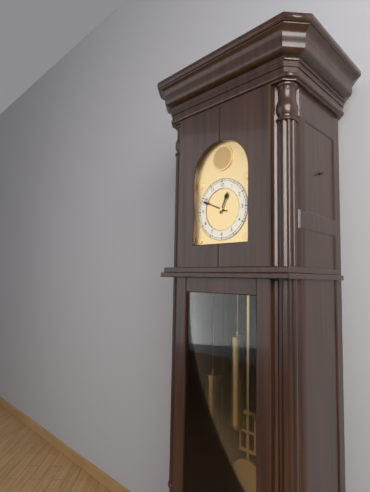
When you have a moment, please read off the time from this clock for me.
12:49
